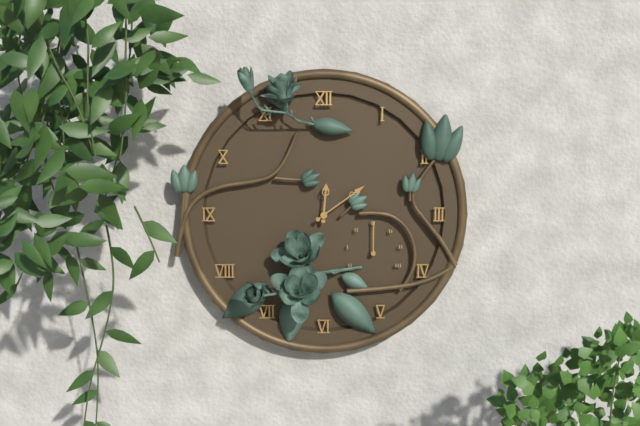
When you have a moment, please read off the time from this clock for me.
12:09
